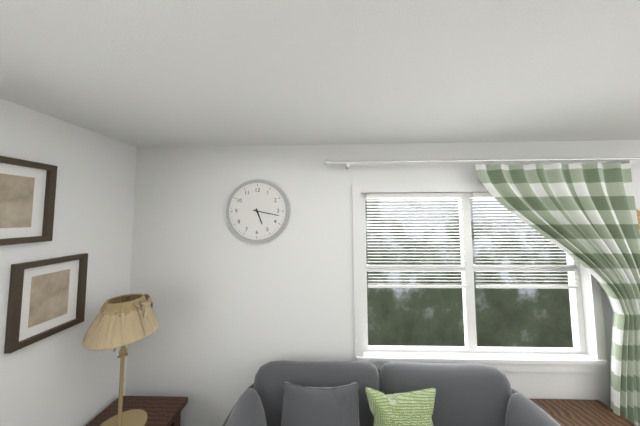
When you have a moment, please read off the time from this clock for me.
5:17
